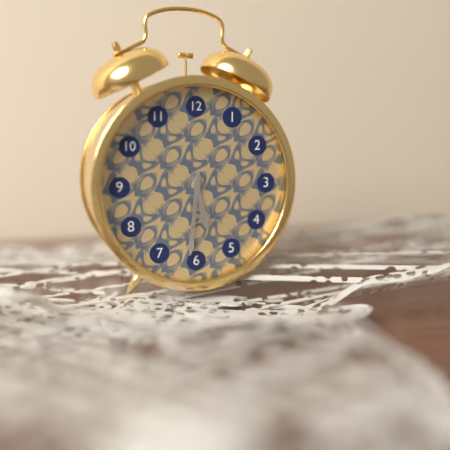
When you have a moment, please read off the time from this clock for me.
5:31
